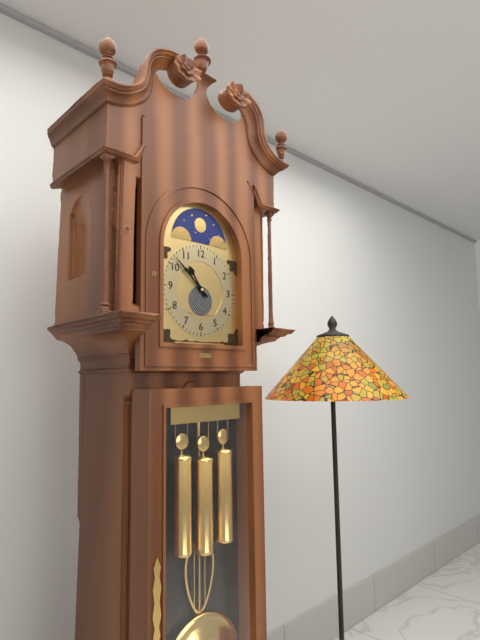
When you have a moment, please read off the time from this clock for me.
10:52
